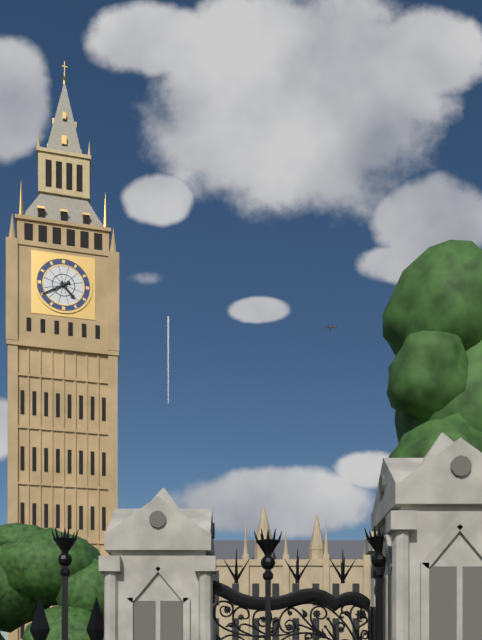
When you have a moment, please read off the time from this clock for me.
4:40
